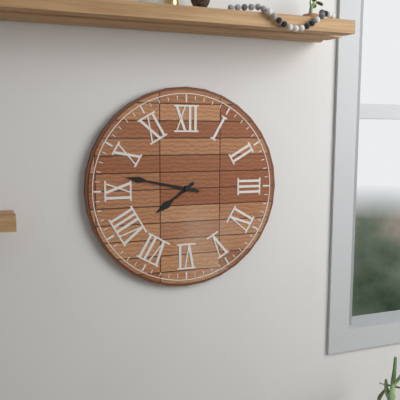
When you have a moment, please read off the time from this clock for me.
7:47
